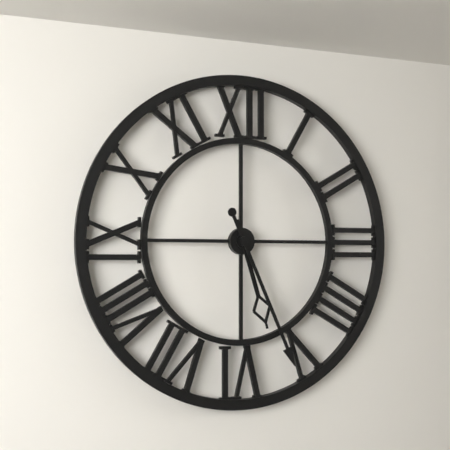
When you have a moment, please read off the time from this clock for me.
5:26
